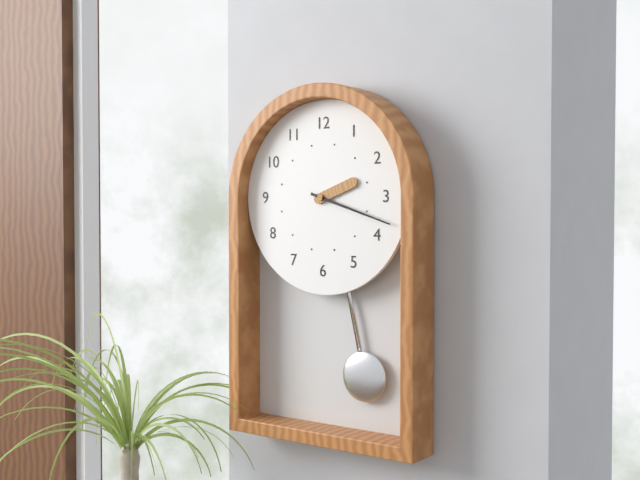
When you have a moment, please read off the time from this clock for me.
2:18
